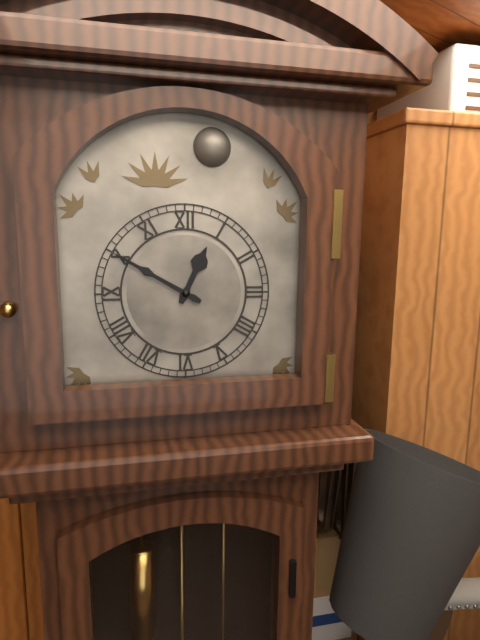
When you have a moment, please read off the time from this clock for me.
12:50
